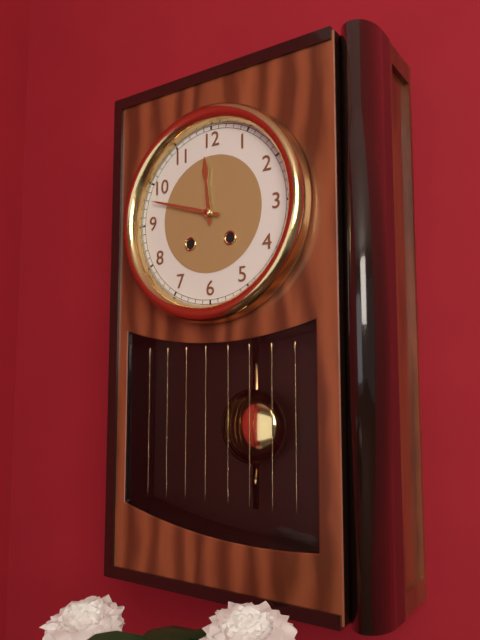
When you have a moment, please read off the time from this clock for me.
11:48
